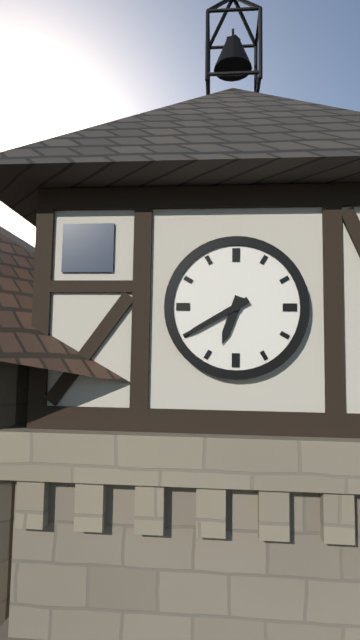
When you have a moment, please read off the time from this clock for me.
6:40
